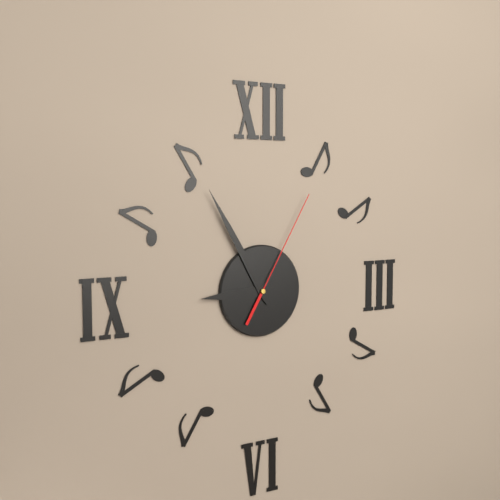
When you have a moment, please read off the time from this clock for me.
8:55:05
